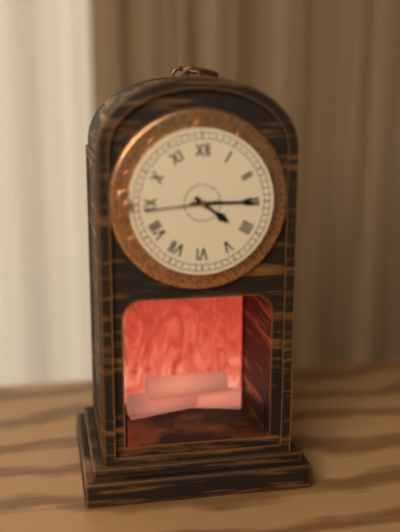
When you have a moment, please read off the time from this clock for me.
4:15:44
